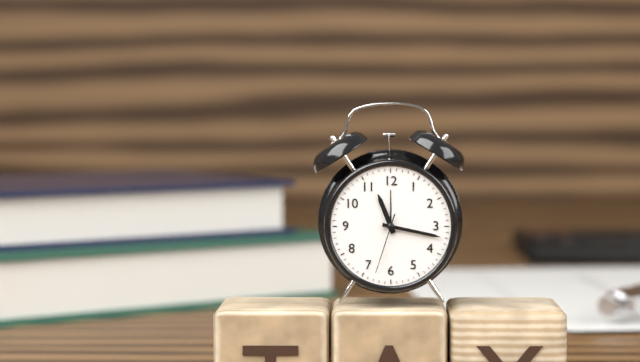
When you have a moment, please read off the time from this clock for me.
11:17:33
